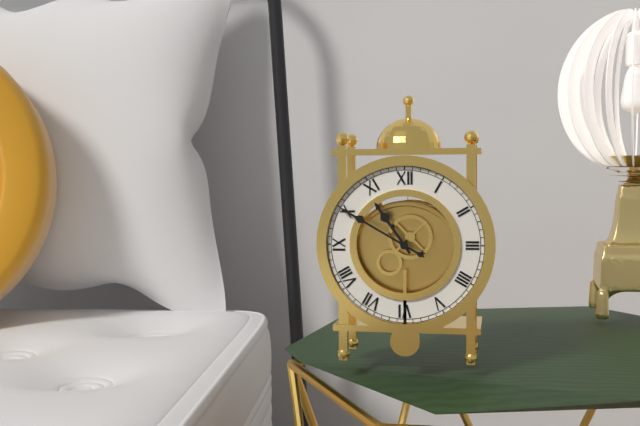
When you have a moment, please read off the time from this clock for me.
10:50
